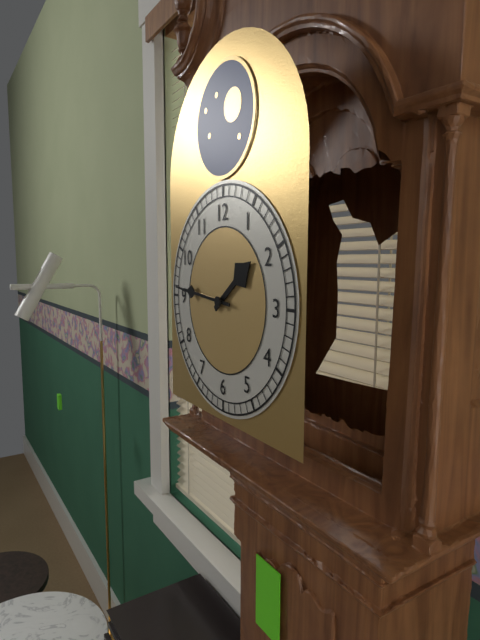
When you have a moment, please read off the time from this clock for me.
1:46
